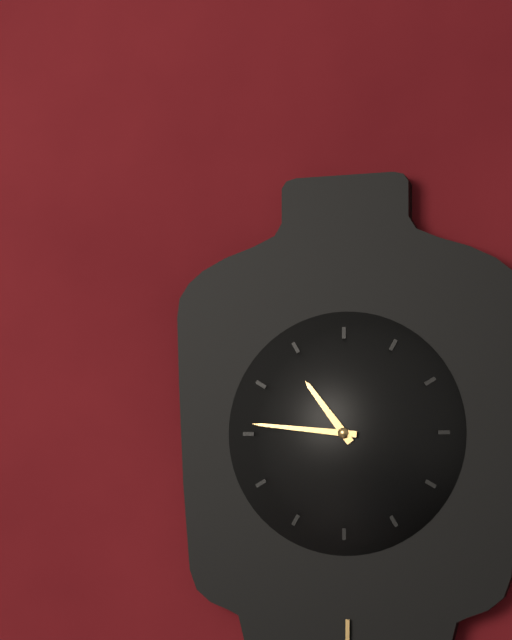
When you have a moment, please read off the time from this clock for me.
10:46
